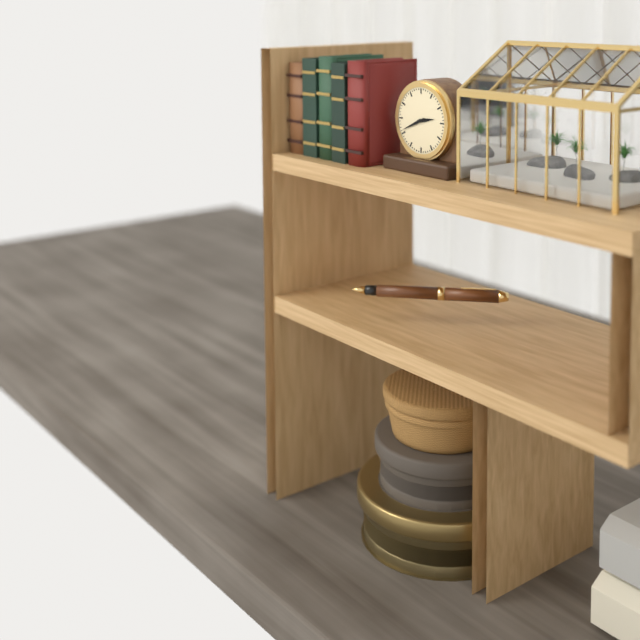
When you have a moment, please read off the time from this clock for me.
2:41
